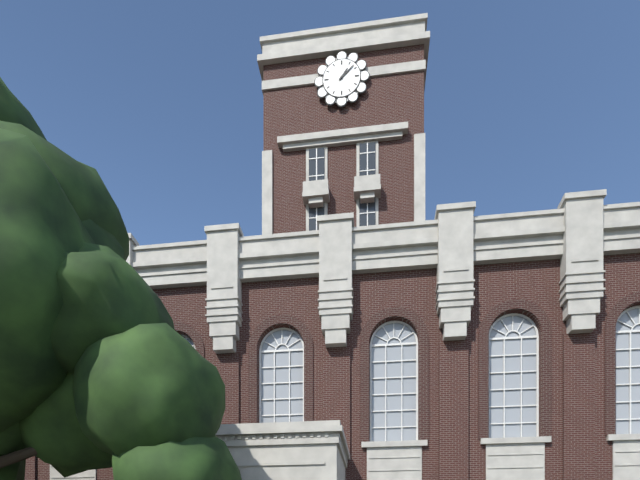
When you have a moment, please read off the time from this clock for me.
1:08
